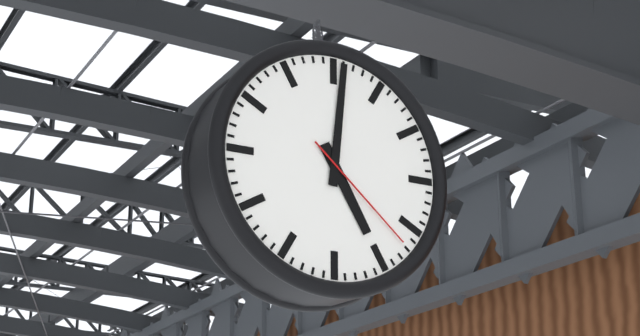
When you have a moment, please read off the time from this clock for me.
5:01:22
